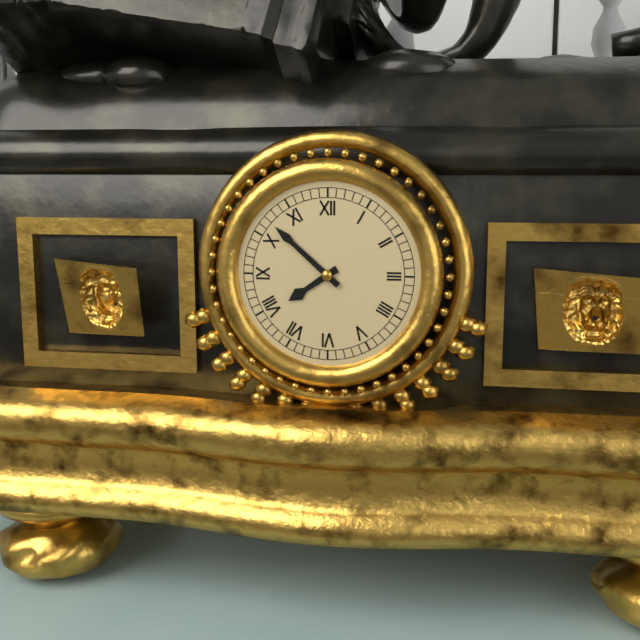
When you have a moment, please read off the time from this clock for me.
7:52
